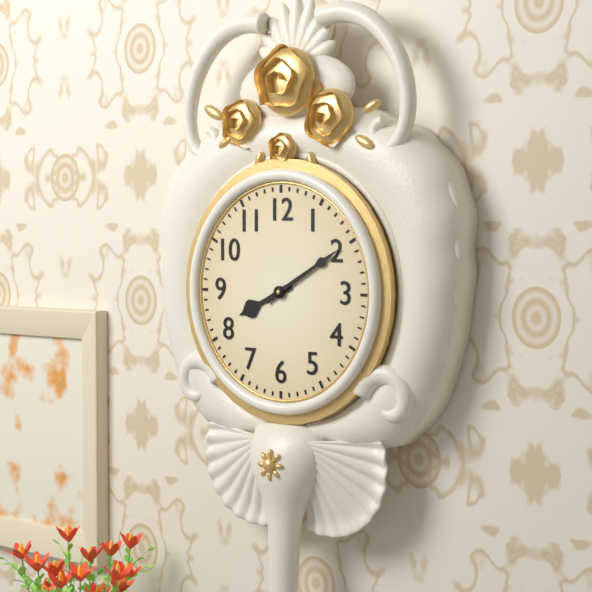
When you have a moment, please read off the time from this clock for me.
8:10
